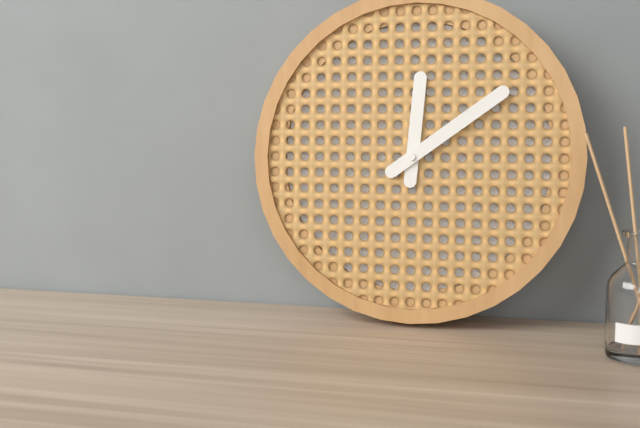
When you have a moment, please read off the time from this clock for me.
12:09
